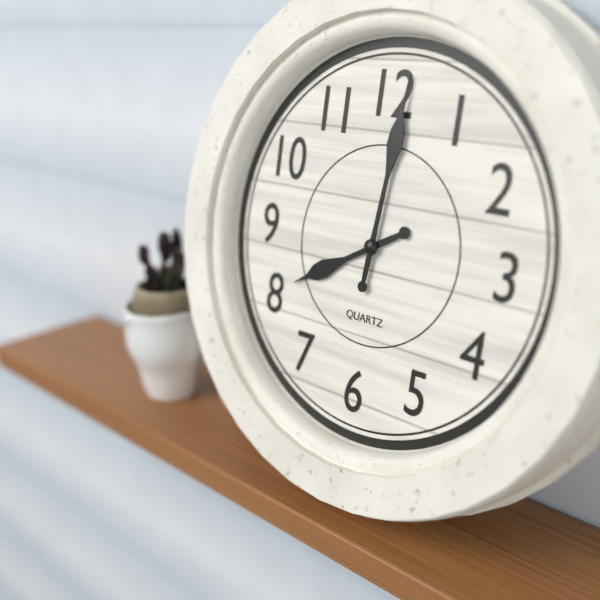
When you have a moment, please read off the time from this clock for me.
8:01
